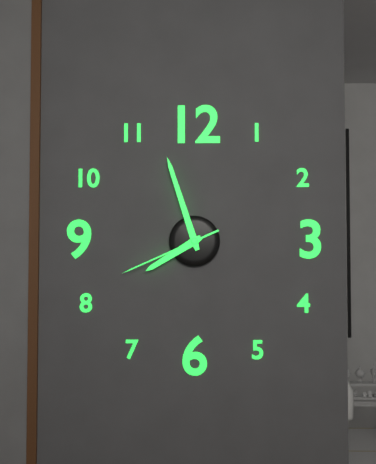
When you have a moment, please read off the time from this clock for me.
7:57:41
